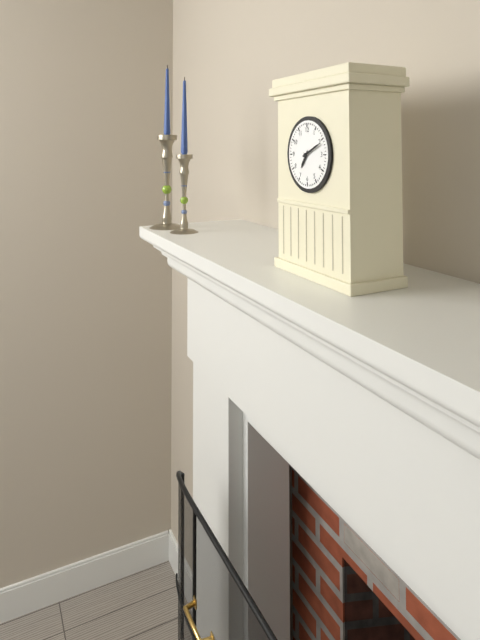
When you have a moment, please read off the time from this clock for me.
7:11
